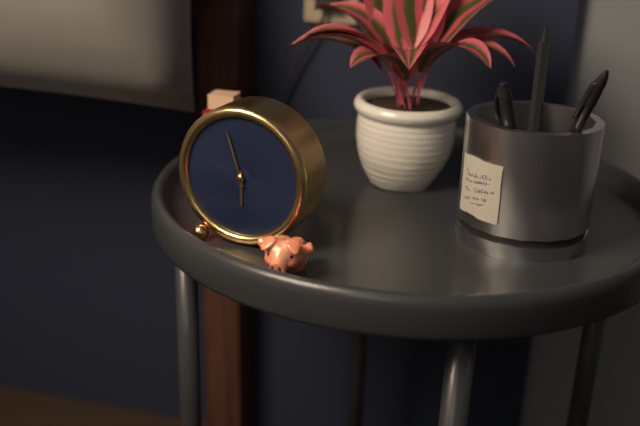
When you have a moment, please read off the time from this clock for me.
5:57
